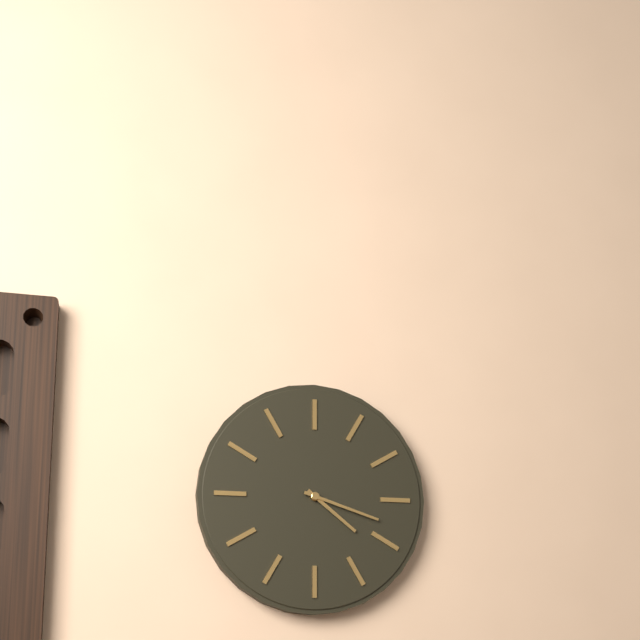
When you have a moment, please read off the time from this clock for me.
4:18
